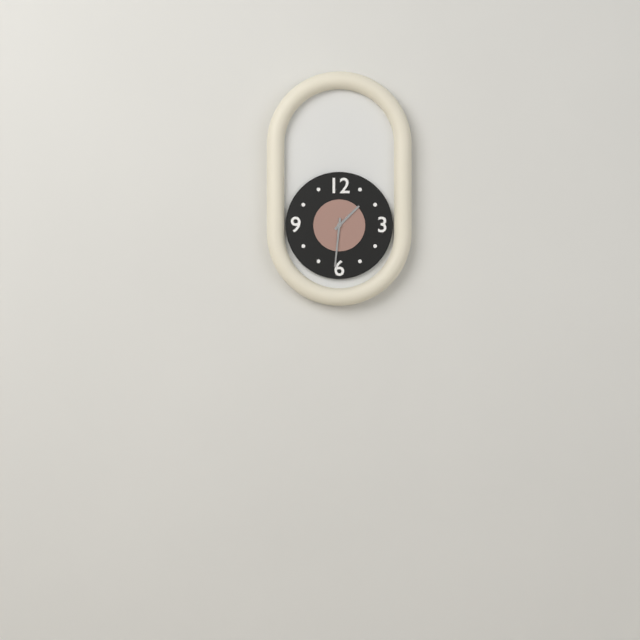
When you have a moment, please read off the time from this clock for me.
1:31
